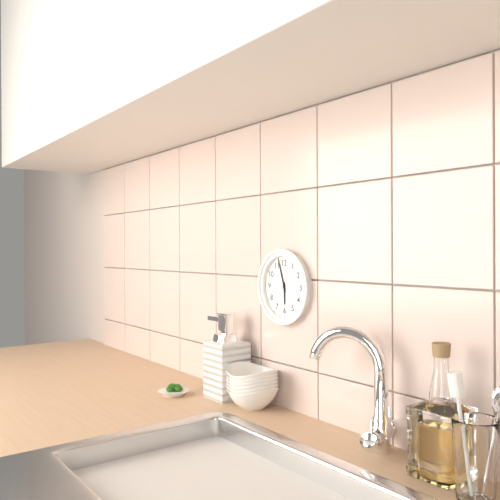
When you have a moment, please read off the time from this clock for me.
5:57
